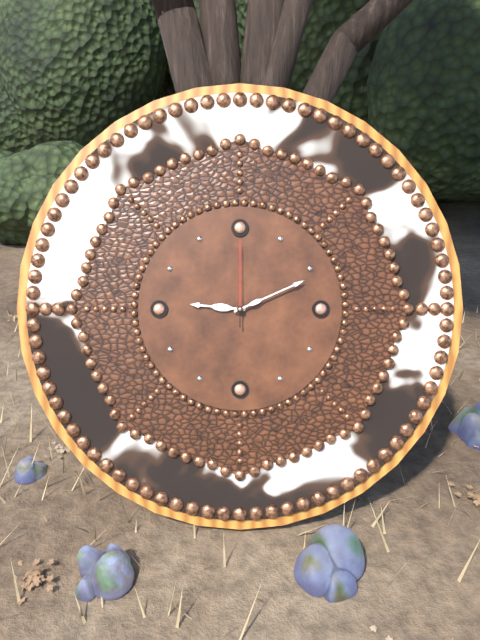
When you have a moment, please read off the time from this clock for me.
9:11:00
